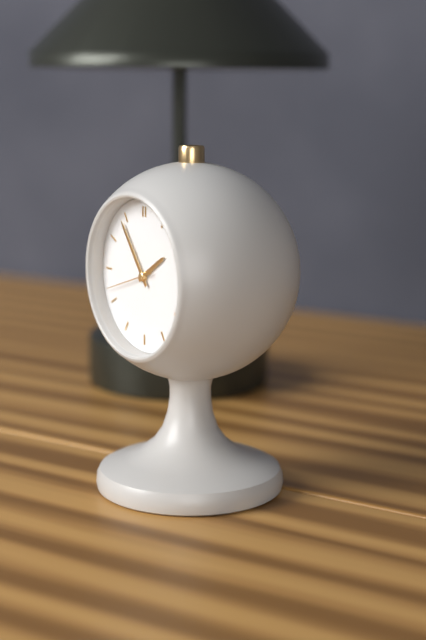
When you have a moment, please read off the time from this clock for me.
1:54:42
